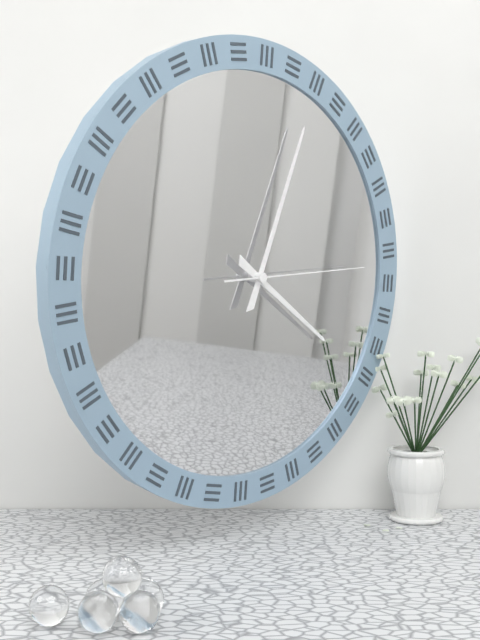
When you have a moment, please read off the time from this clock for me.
4:03:14
